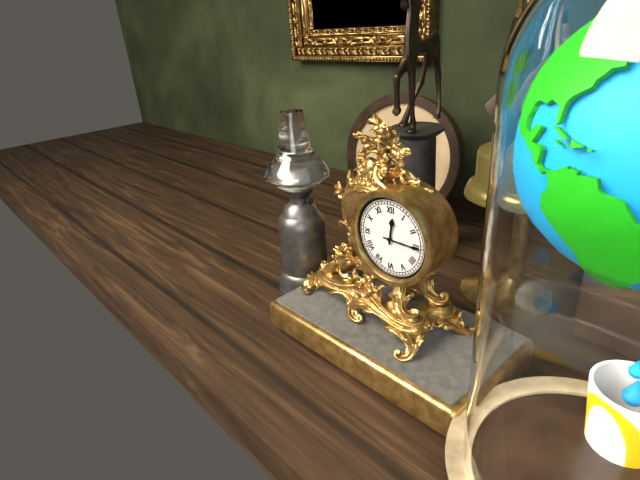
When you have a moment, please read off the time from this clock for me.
12:15
